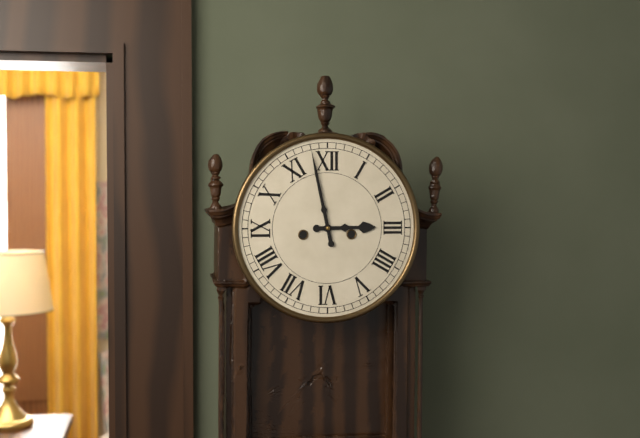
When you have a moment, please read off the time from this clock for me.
2:58
